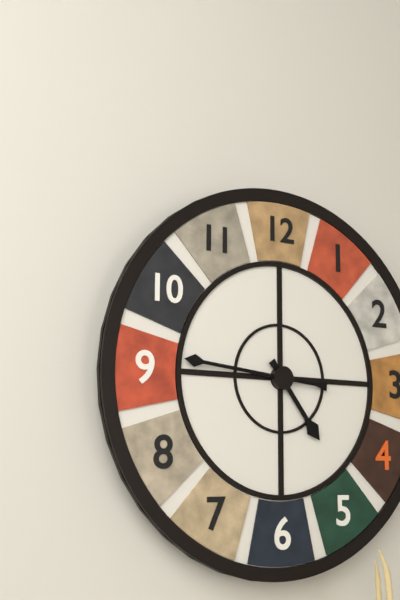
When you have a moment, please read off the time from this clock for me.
4:46
